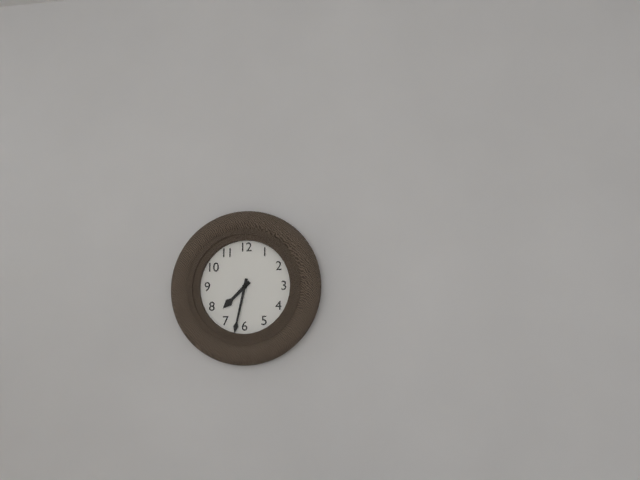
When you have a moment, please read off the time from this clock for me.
7:32
